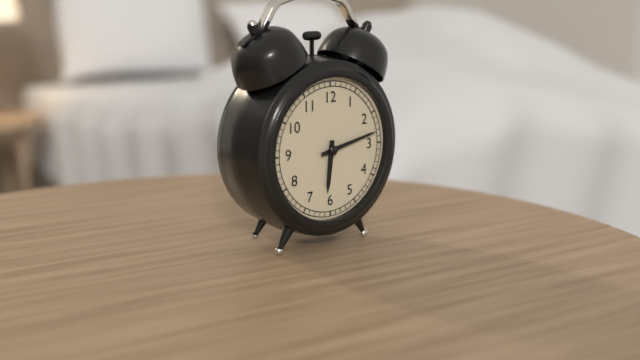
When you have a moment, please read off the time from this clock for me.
6:13
